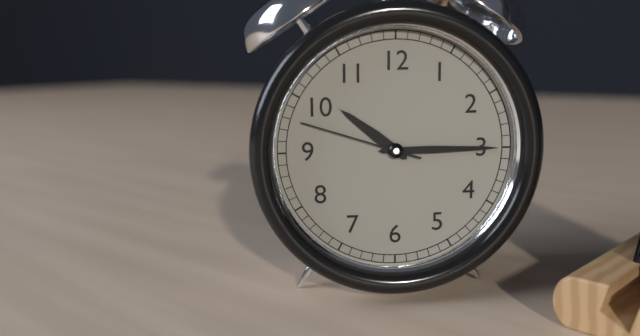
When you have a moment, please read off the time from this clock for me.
10:15:48
